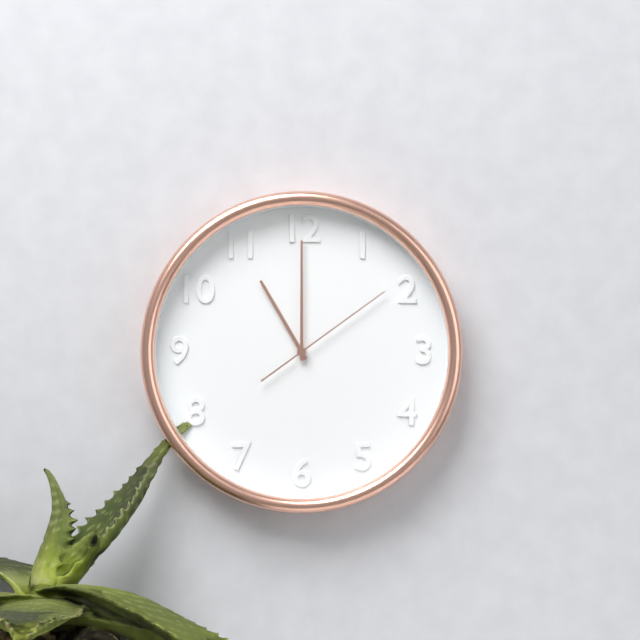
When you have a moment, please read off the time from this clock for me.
11:00:09
